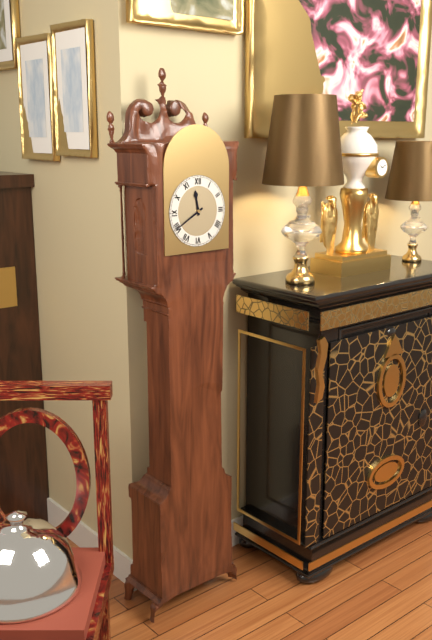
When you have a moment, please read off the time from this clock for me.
11:40
